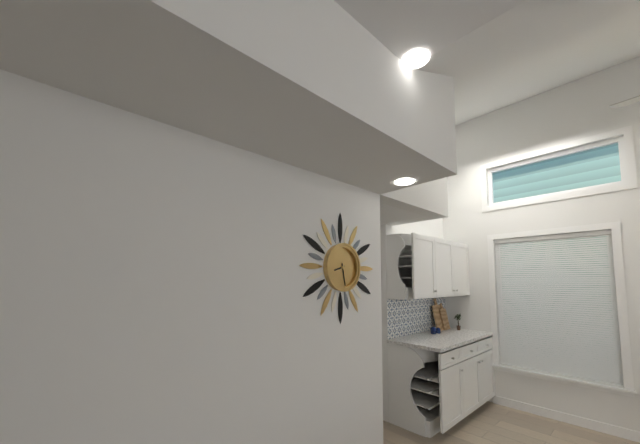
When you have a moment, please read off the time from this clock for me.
8:28
